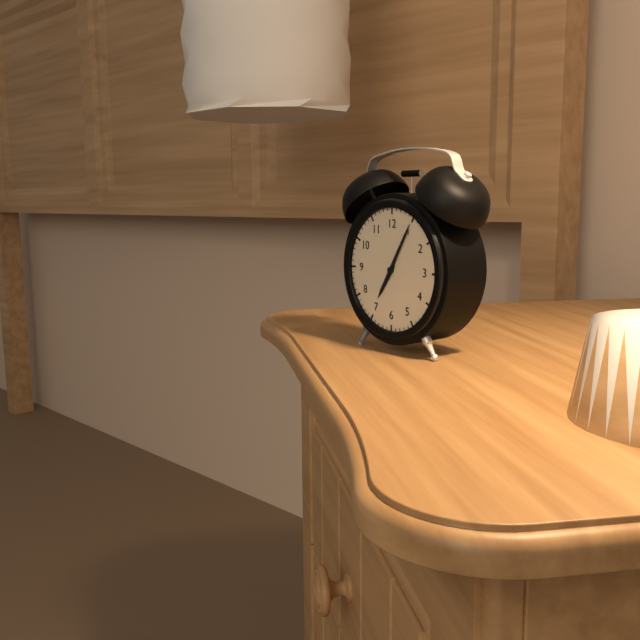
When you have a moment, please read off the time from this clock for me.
7:05
